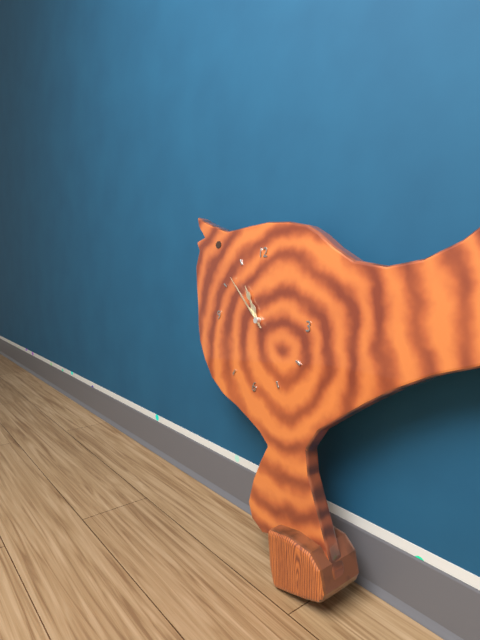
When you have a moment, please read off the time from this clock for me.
10:52
